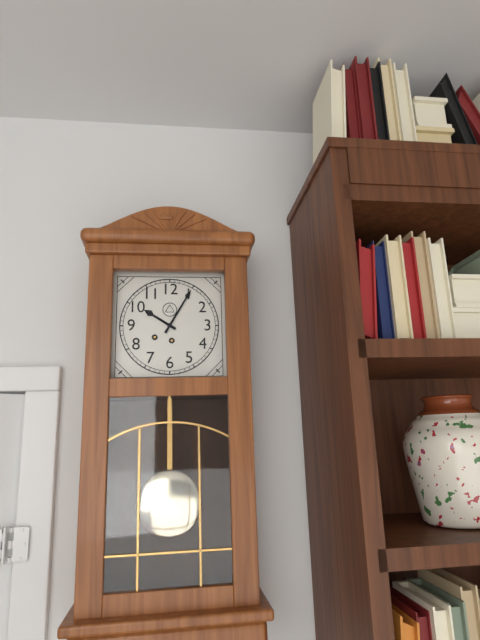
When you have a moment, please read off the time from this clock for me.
10:05
